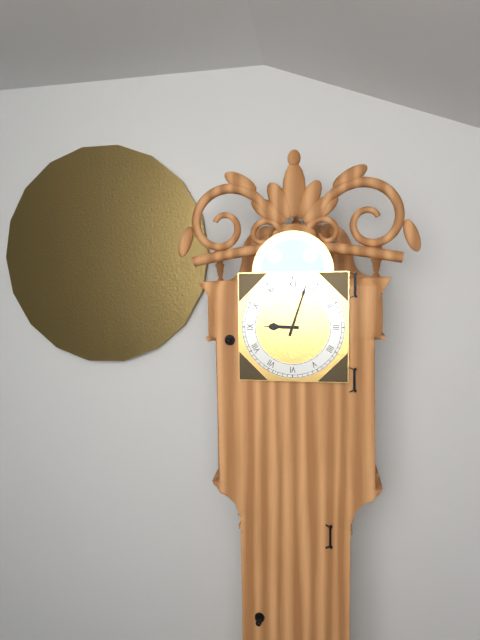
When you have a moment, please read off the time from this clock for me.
9:03
